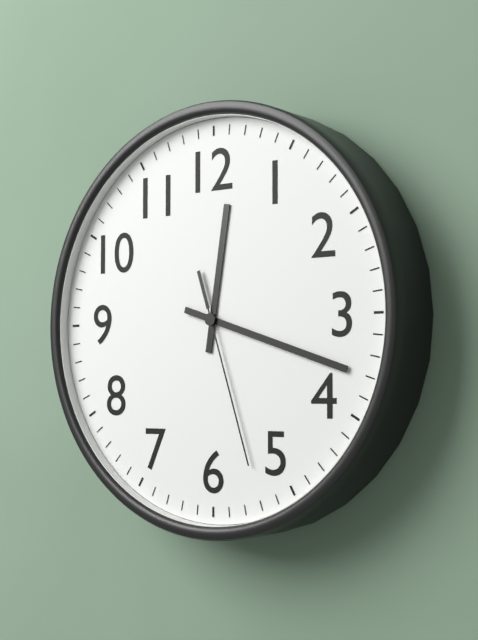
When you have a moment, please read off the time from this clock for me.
12:18:27
